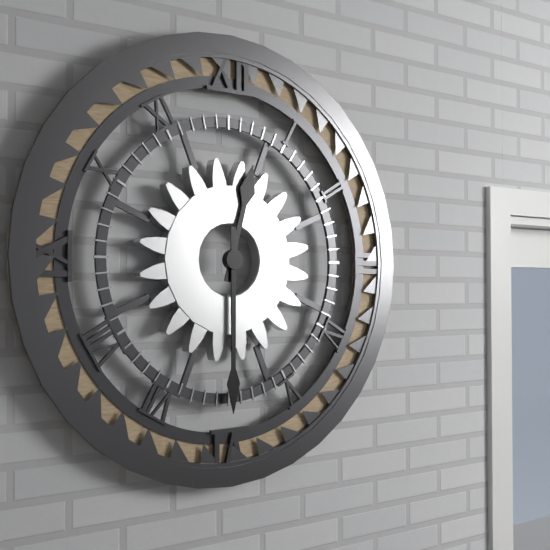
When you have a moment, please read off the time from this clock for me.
12:30
